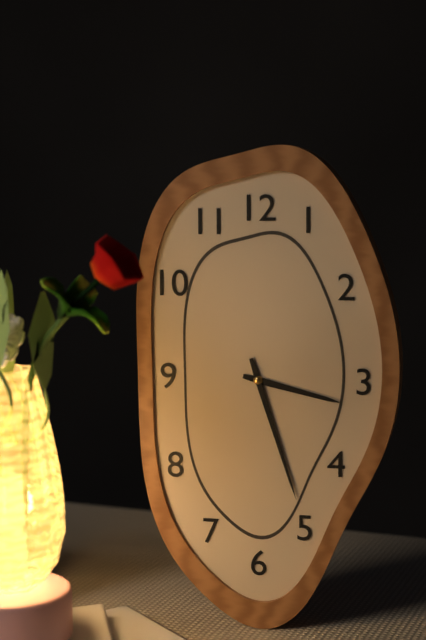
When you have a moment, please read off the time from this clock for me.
3:27
